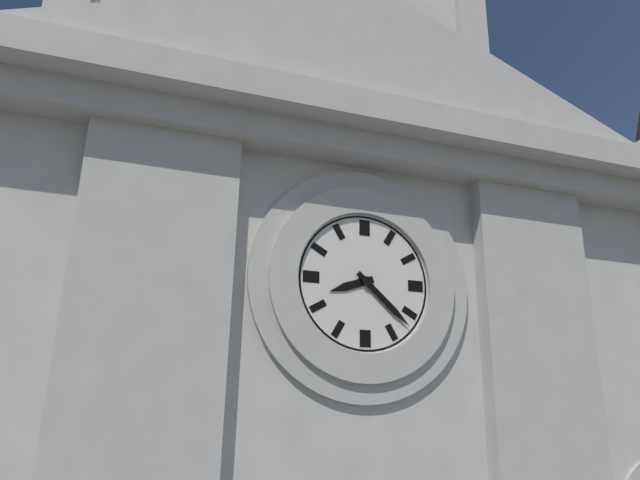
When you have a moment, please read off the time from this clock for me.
8:22
